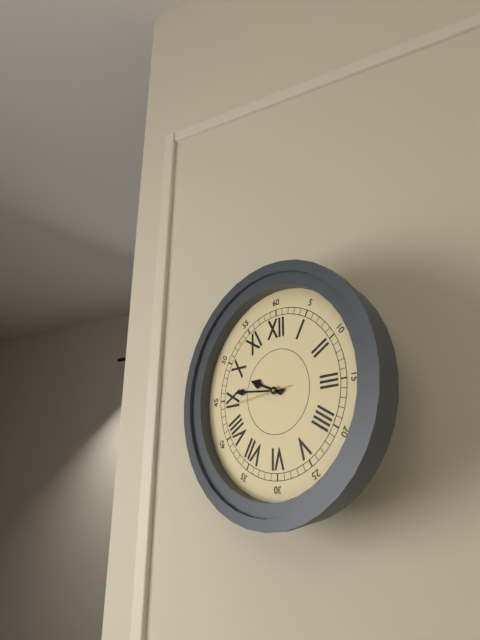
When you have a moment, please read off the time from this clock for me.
9:46:44
